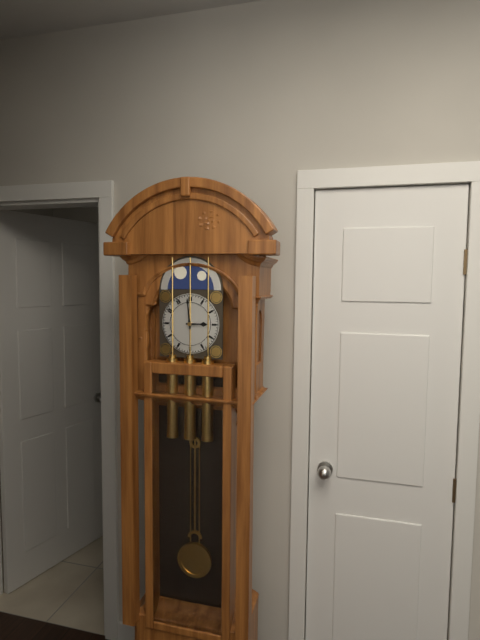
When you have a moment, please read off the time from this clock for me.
2:59
